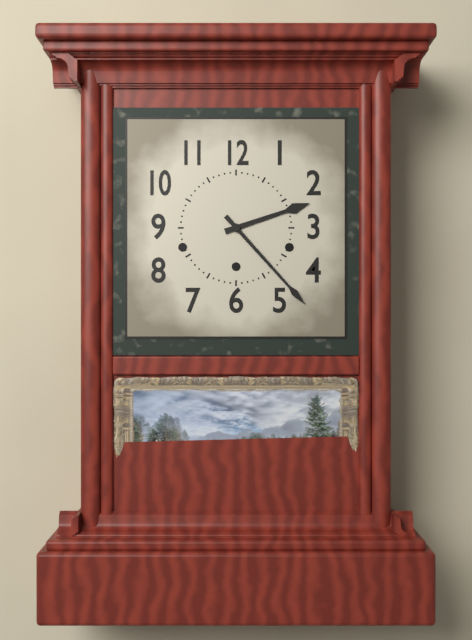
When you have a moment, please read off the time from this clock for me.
2:23
